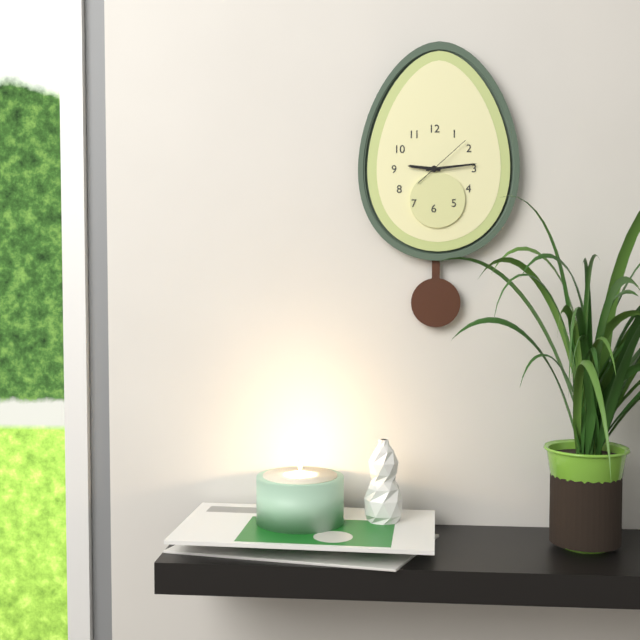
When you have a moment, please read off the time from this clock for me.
9:14:08
